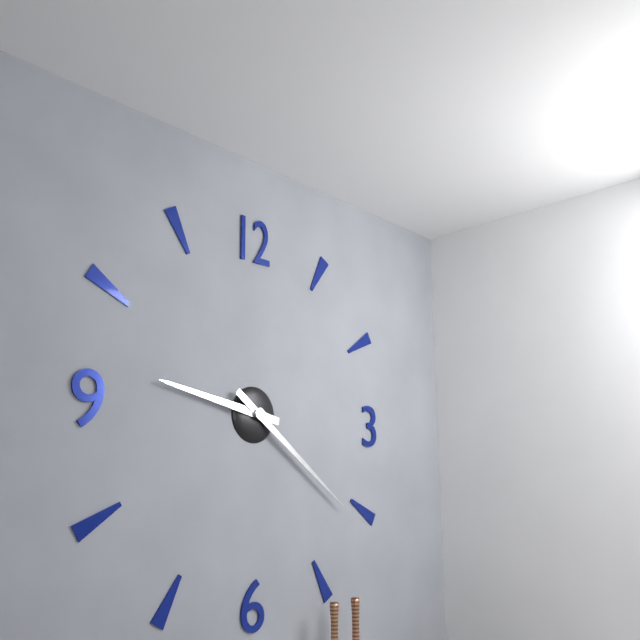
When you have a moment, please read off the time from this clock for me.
9:21
